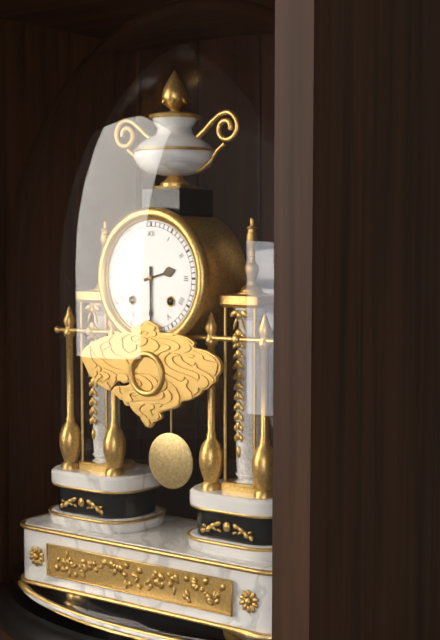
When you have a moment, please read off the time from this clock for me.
2:30
